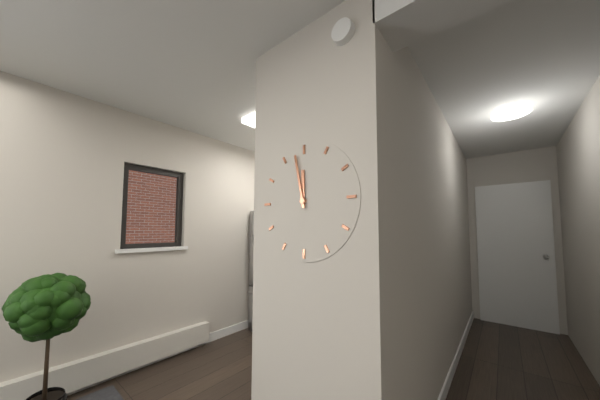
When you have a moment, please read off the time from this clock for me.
11:58
